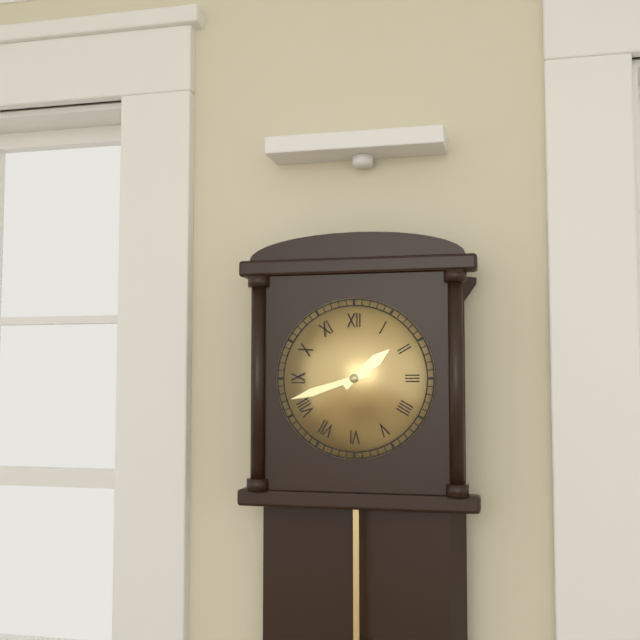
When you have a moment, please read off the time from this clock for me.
1:42
